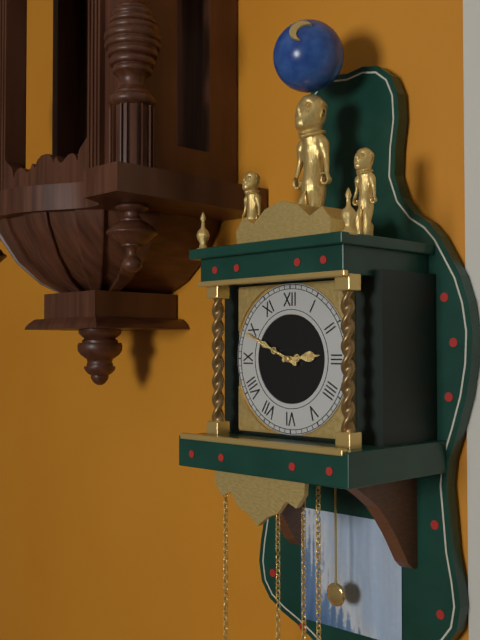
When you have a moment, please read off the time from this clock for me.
2:49
